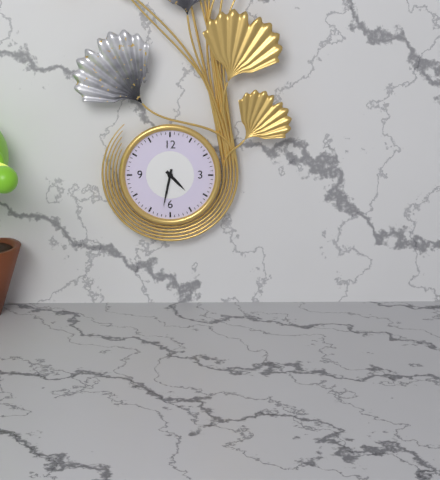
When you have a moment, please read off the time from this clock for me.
4:32
